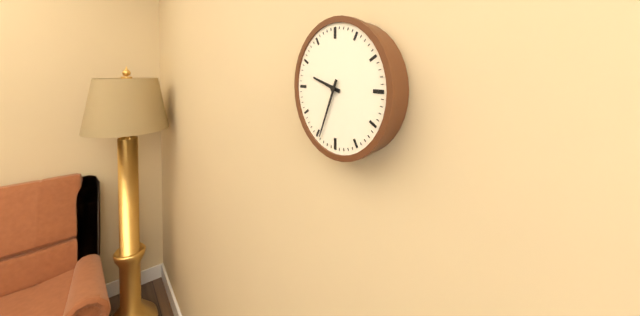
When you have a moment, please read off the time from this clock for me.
9:34
